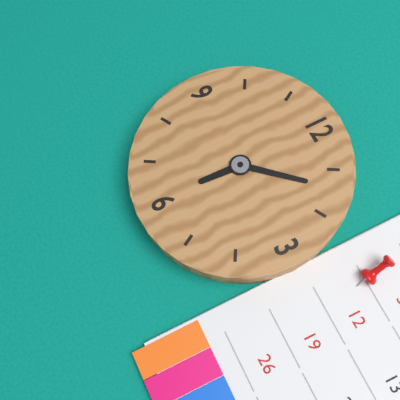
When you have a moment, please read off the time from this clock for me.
6:07
